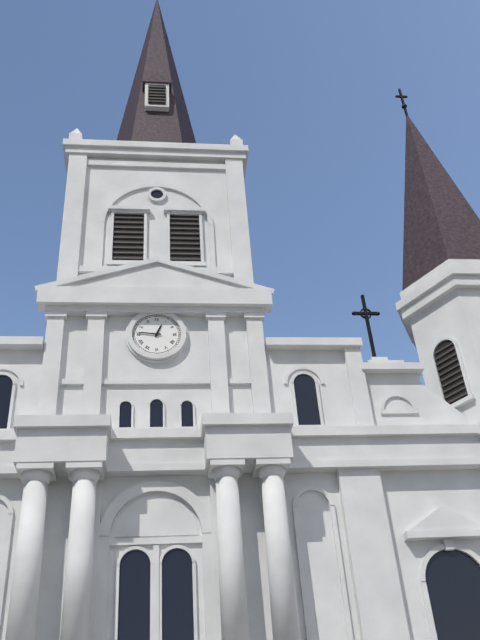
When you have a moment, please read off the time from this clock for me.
12:46
